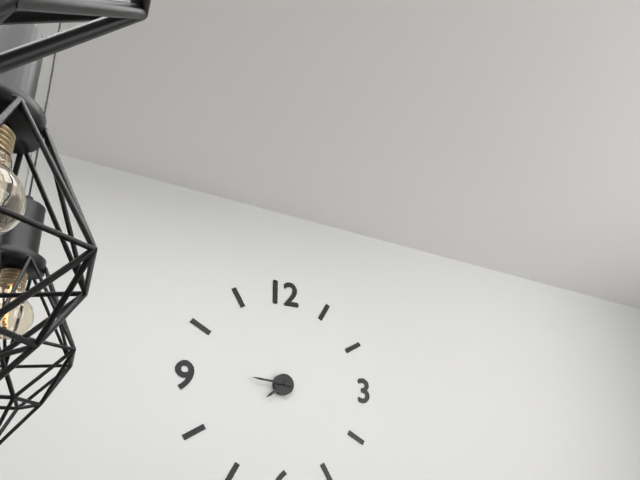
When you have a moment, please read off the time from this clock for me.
7:46
